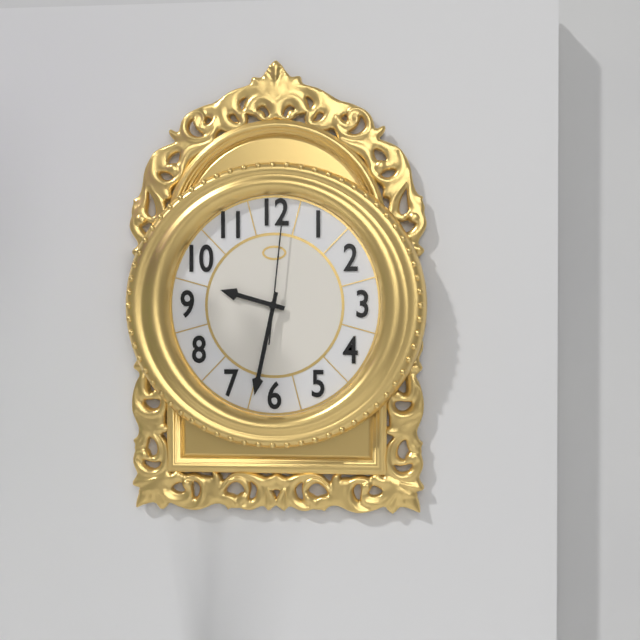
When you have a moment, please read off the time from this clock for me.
9:32:01
